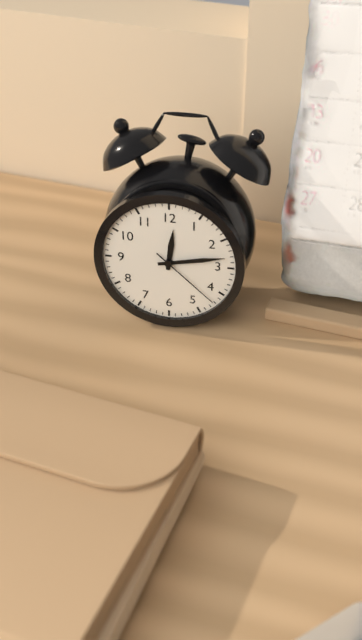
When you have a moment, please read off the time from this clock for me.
12:13:22
